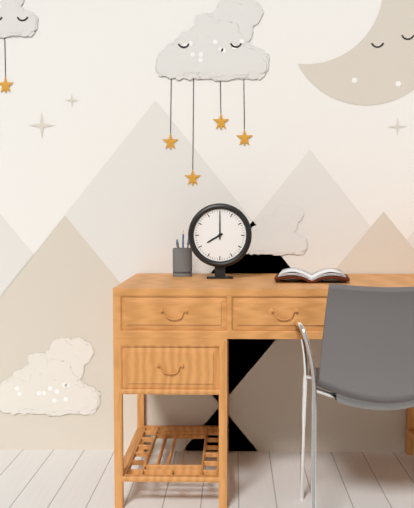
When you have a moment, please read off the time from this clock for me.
8:00
